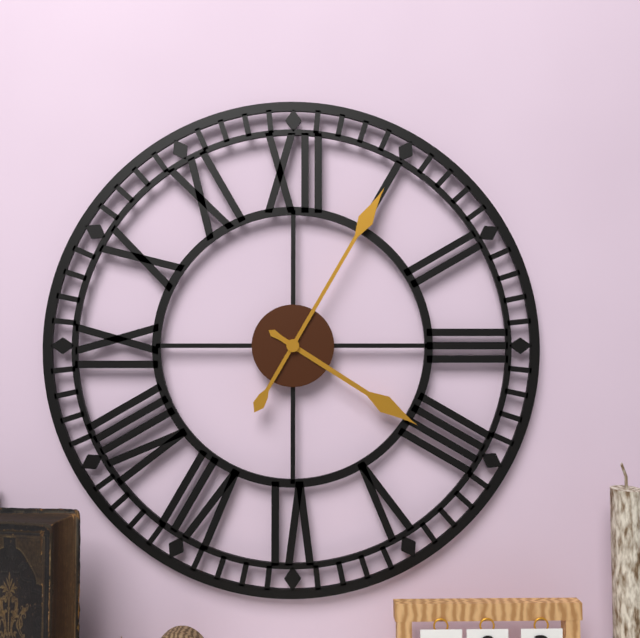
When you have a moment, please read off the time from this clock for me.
4:05
